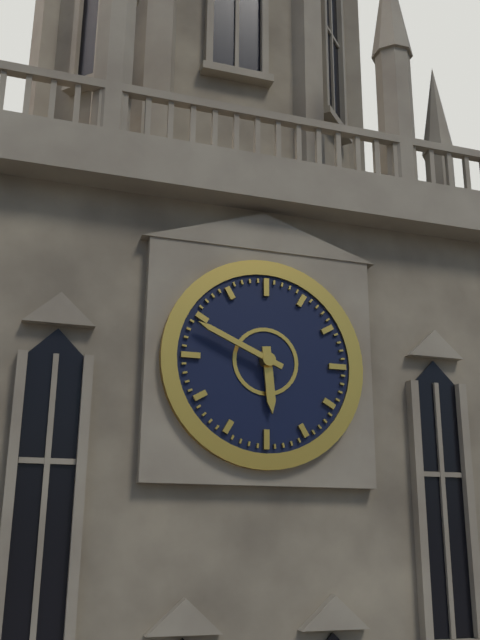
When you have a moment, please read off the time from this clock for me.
5:49
